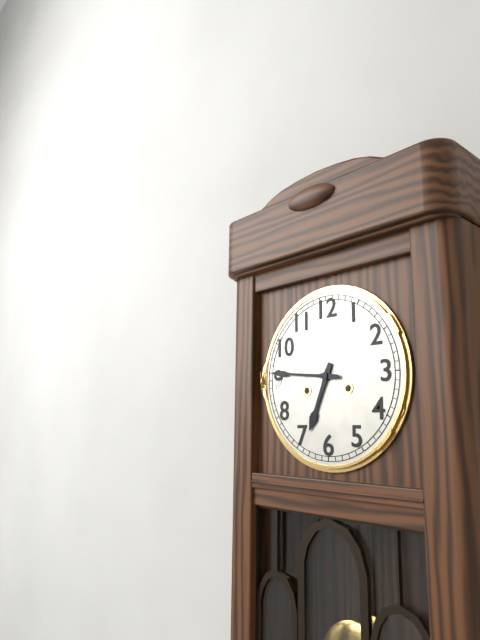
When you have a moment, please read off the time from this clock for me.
6:46
